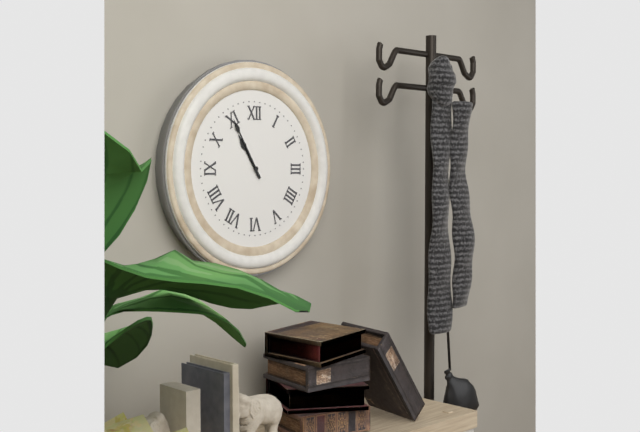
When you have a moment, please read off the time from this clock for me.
10:55
